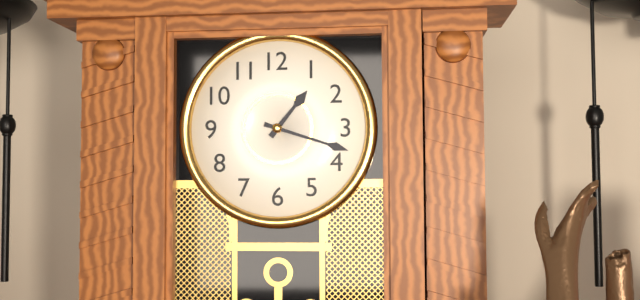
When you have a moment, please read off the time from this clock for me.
1:18
